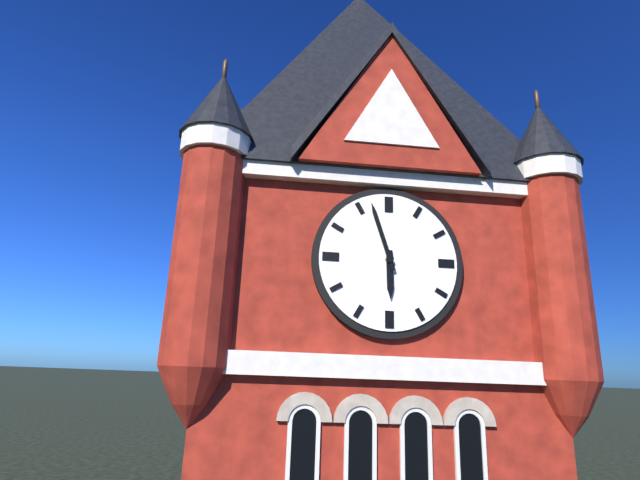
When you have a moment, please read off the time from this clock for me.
5:57
